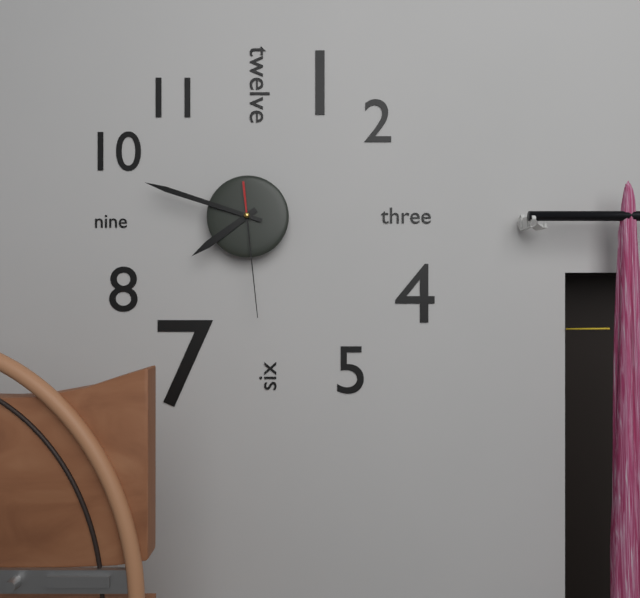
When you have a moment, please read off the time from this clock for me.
7:48:29
